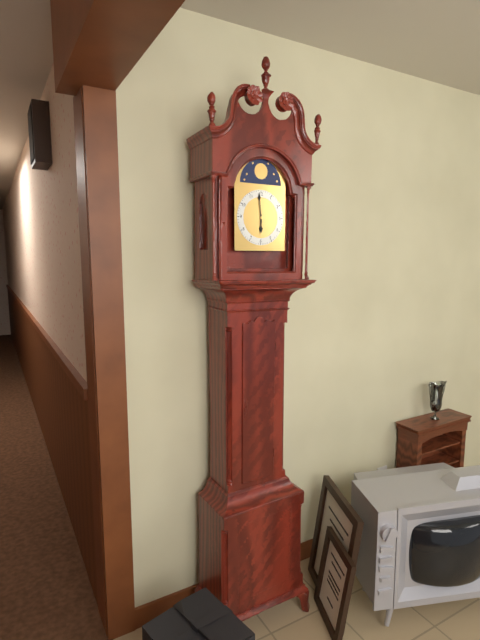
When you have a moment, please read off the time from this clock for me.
5:59
